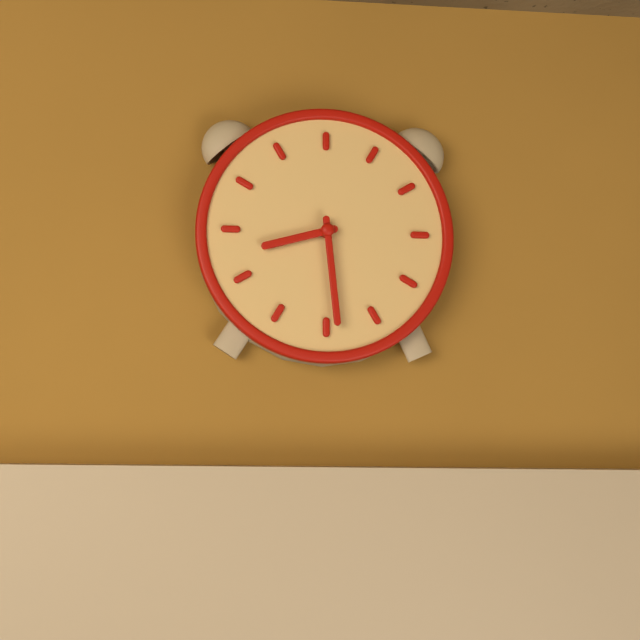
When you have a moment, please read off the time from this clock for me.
8:29
